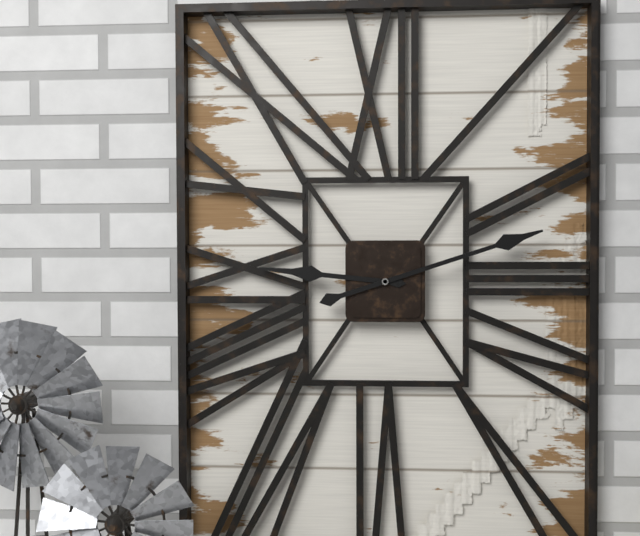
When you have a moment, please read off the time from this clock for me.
9:12
